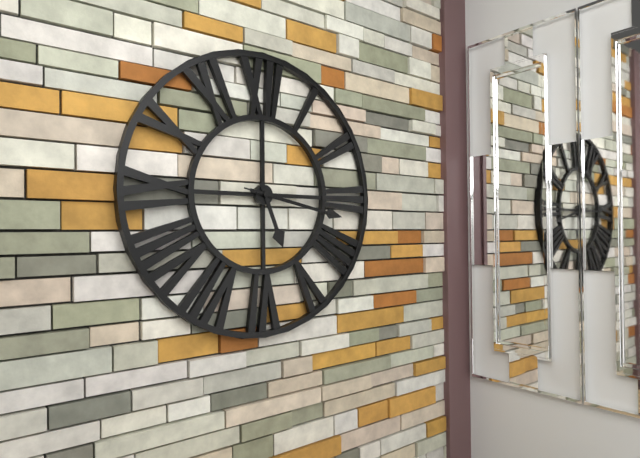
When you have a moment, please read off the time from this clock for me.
5:17:17
